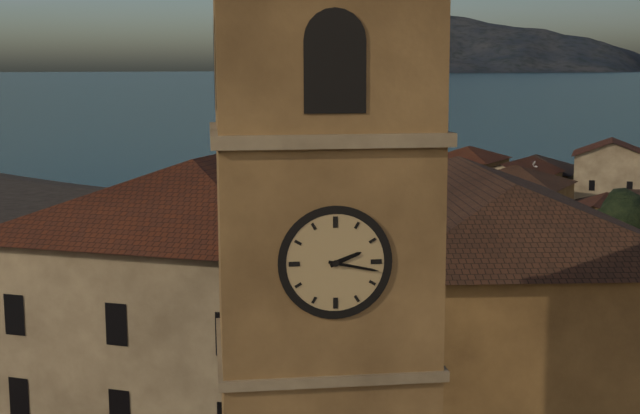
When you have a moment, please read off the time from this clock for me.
2:17
